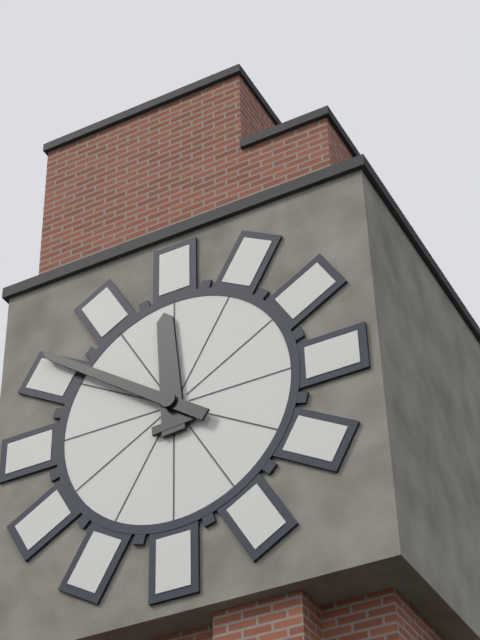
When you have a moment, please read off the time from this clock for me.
11:51
